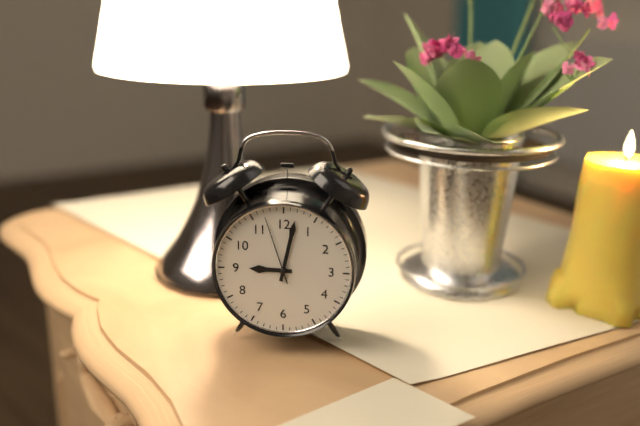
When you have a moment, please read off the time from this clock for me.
9:02:57
